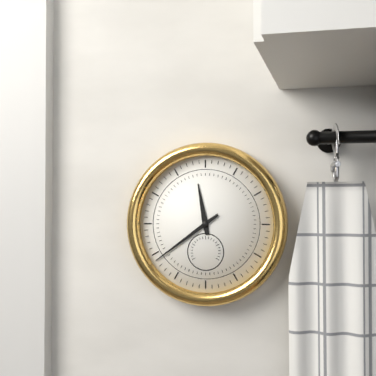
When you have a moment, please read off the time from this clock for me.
11:39
